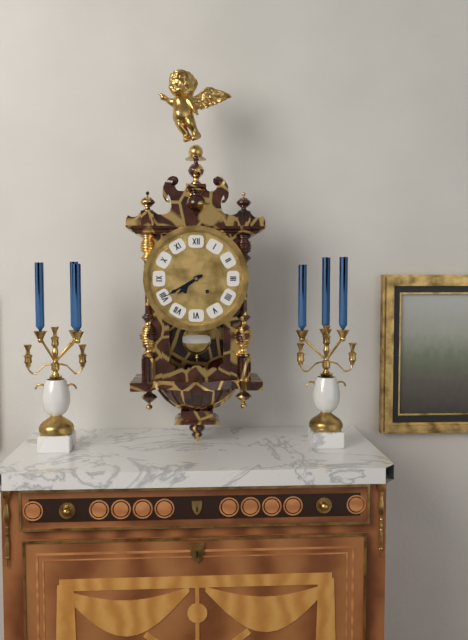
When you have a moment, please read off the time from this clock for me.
7:40
